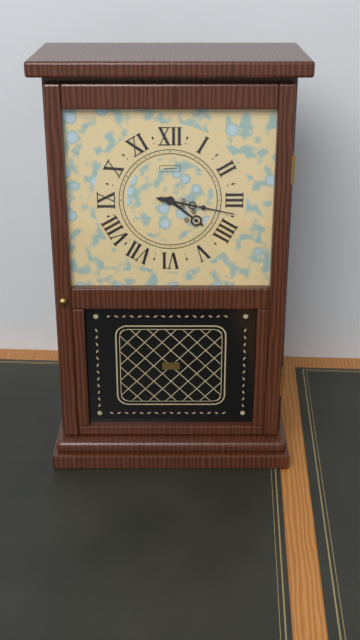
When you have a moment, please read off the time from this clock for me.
4:17
